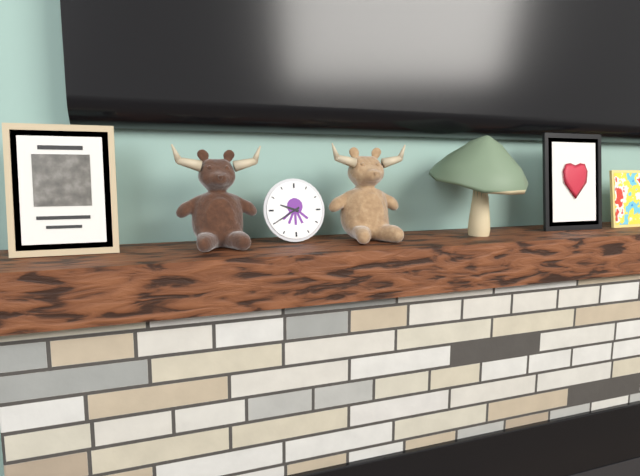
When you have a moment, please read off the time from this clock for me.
9:40
